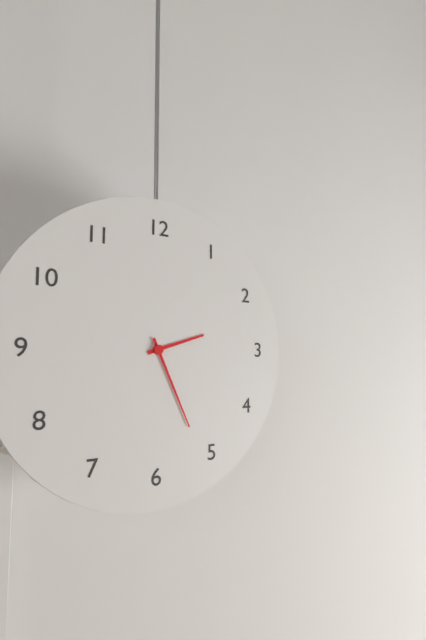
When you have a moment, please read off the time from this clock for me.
2:26
